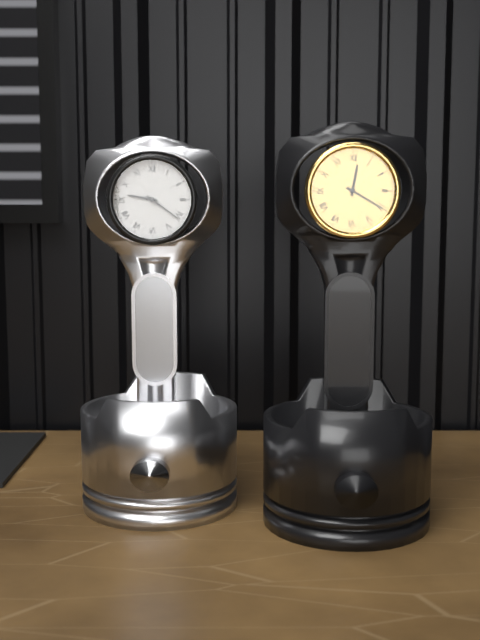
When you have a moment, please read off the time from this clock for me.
9:21
